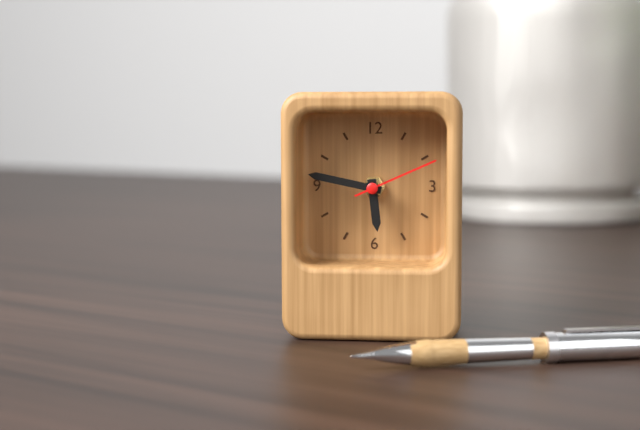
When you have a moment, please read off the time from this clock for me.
5:47:11
